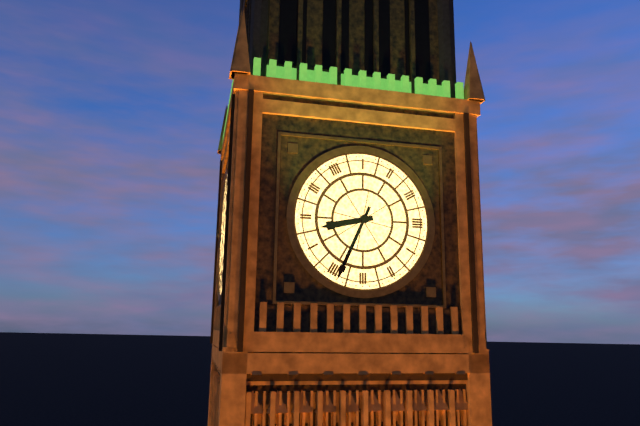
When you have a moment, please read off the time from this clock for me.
8:34
